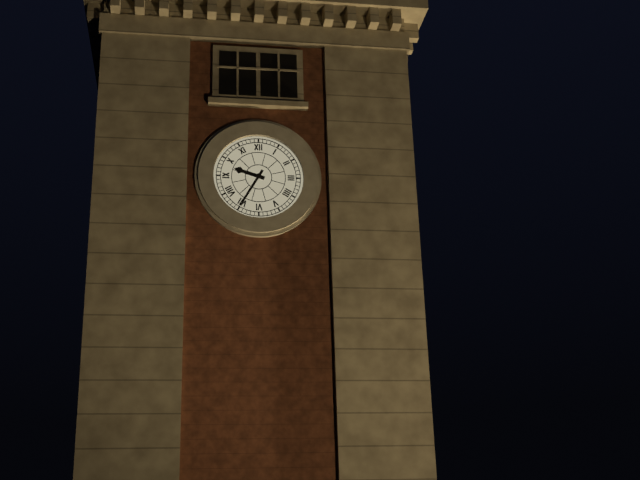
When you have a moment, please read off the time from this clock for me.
9:35
